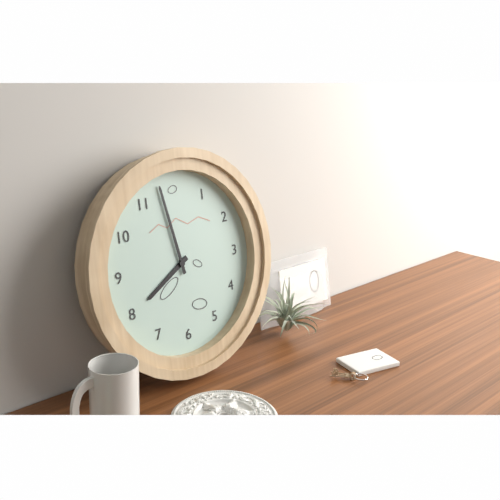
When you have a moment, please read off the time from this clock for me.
7:58
